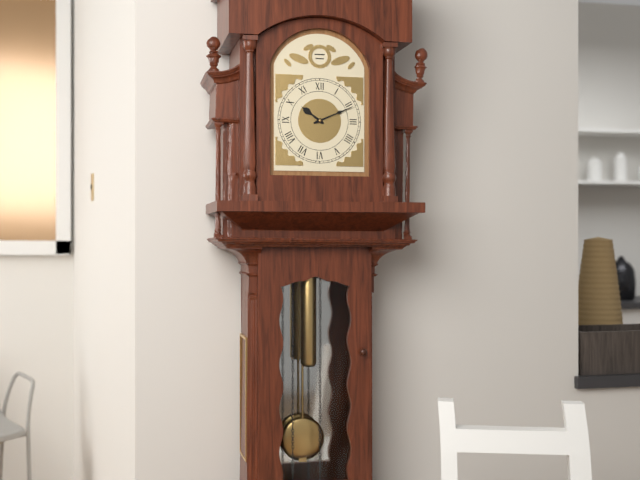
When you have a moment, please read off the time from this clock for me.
10:11
